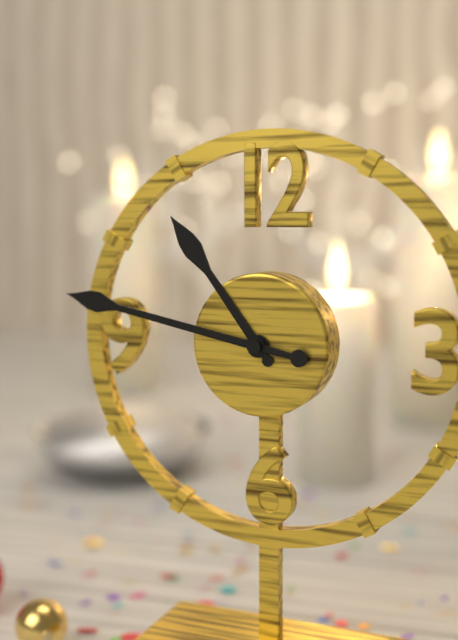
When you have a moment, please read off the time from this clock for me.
10:47
